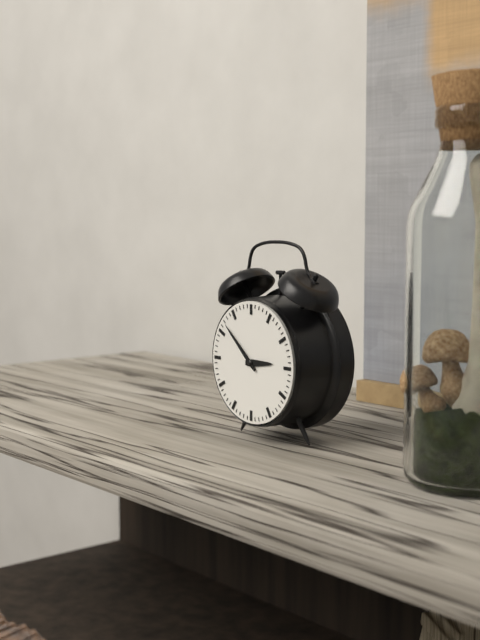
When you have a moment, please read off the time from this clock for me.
2:52
